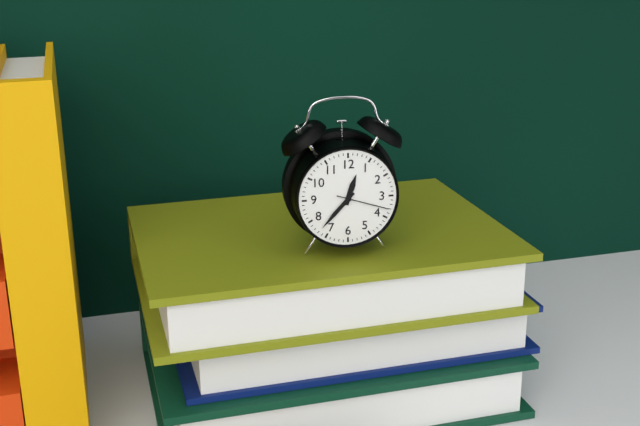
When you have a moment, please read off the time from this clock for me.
12:37:18
